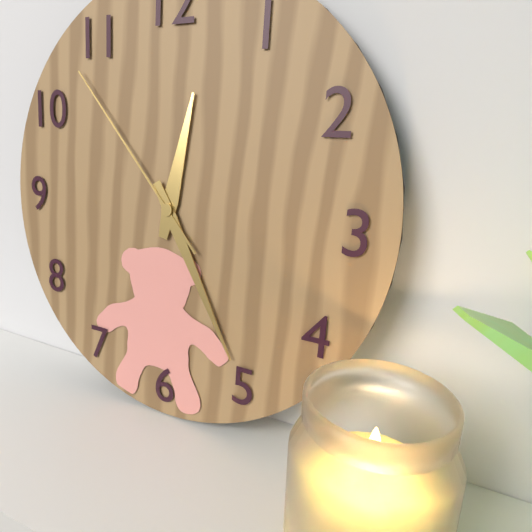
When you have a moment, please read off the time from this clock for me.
12:25:53
